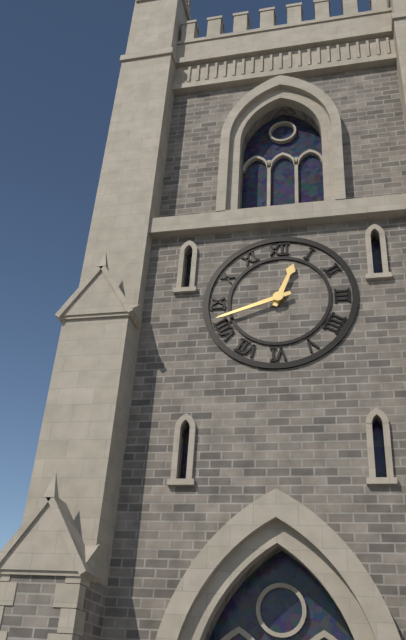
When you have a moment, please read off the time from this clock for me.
12:42
